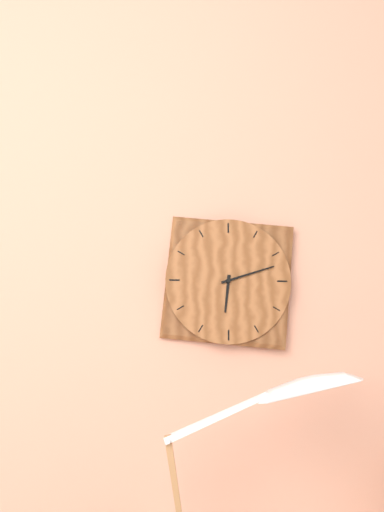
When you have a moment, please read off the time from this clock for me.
6:12
